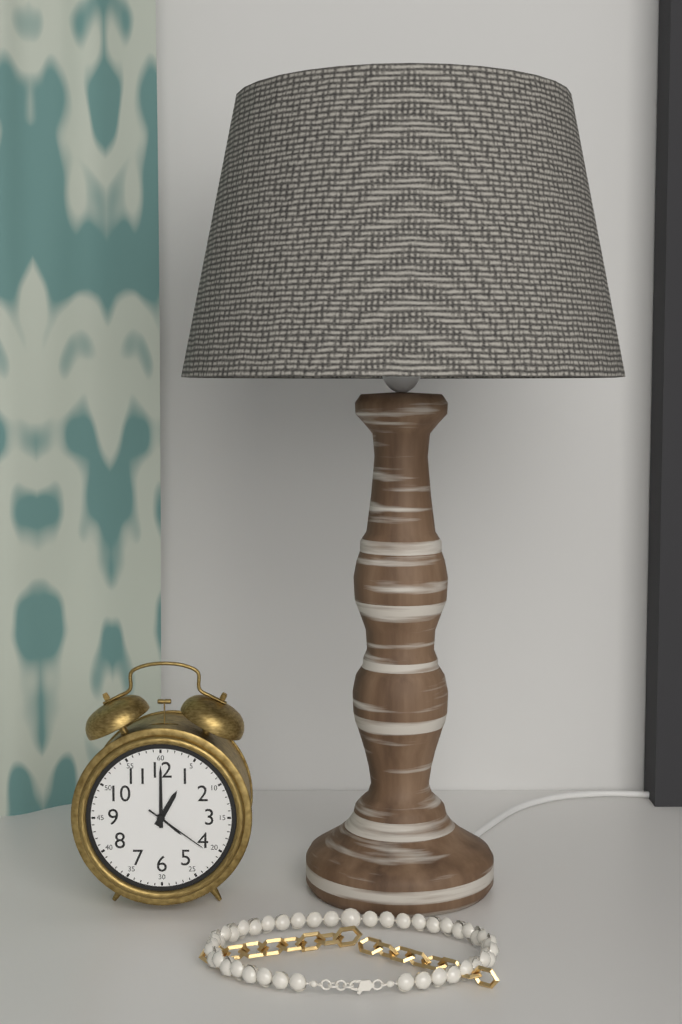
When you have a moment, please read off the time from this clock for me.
1:00:21
